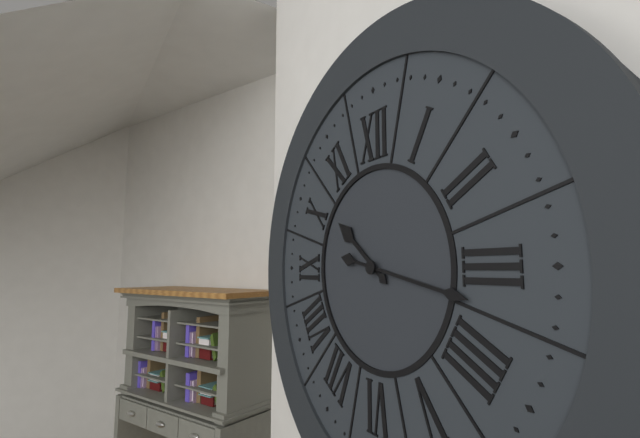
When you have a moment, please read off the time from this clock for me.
10:17
